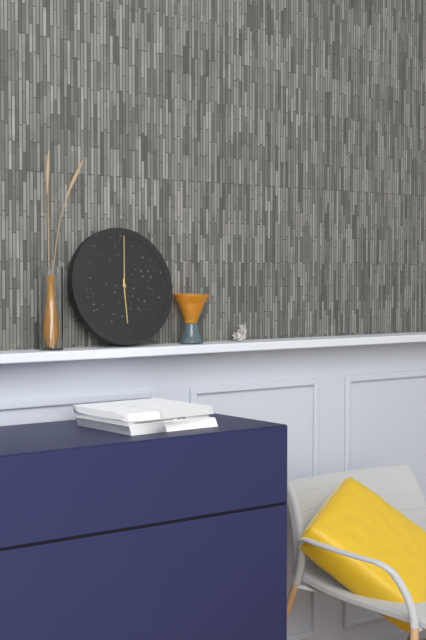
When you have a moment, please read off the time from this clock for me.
6:01
